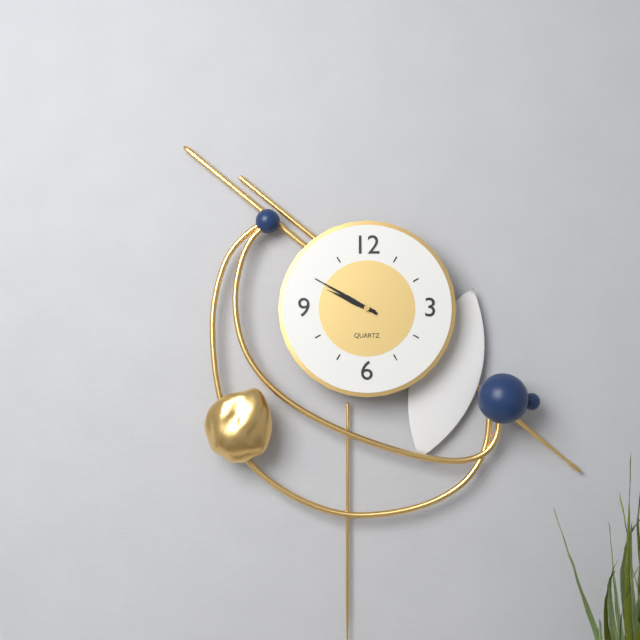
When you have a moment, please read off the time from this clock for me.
9:50
